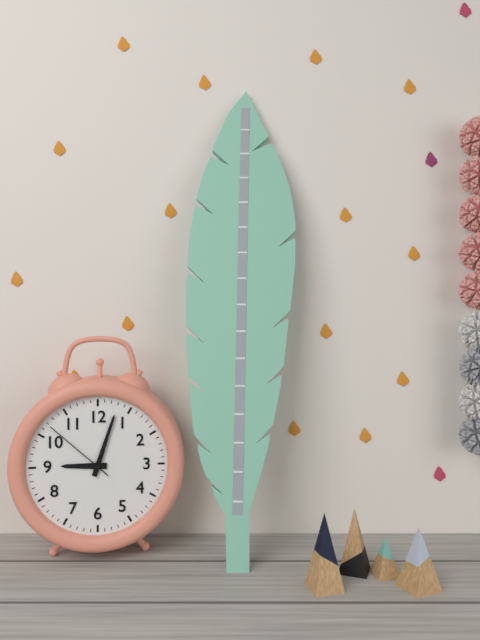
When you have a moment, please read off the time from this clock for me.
9:03:52
